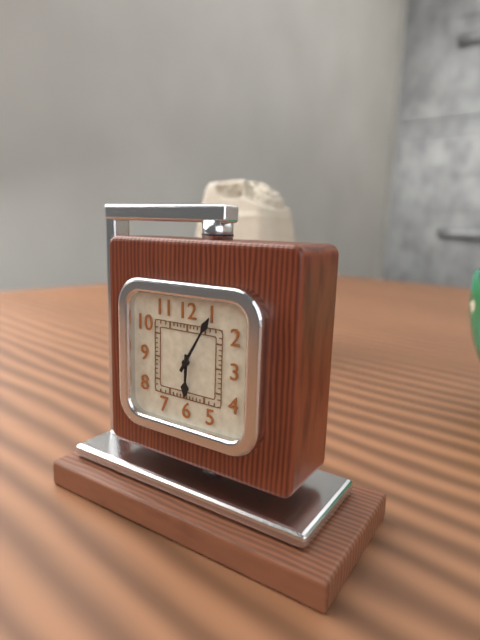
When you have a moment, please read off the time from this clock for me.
6:05
